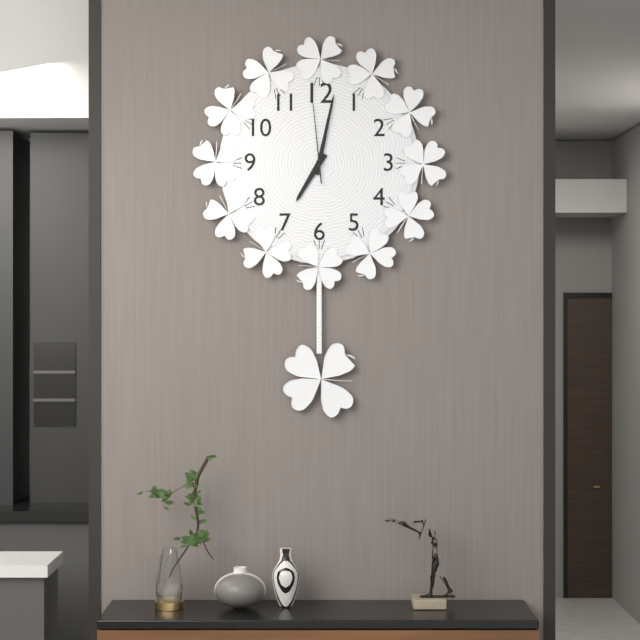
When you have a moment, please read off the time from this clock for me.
7:02:59
